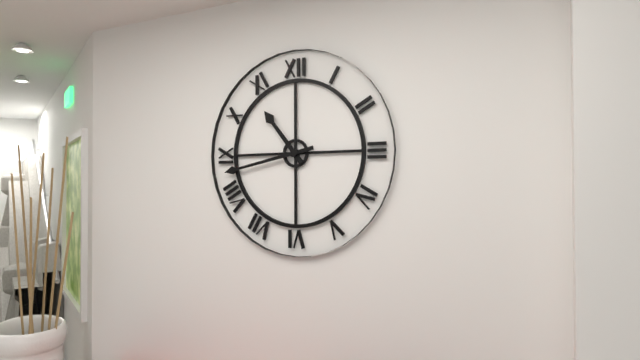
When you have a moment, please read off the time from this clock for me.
10:43
